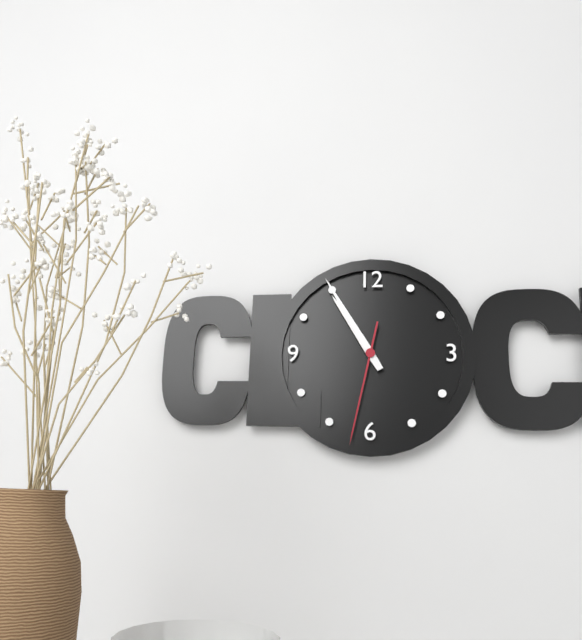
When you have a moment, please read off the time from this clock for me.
10:55:32
